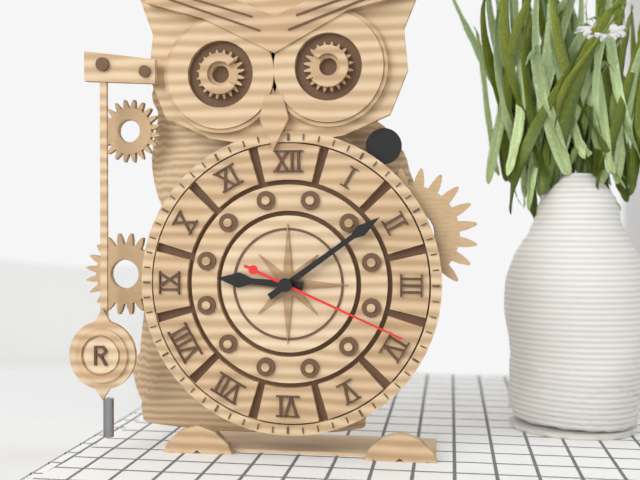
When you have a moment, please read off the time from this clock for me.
9:09:19
